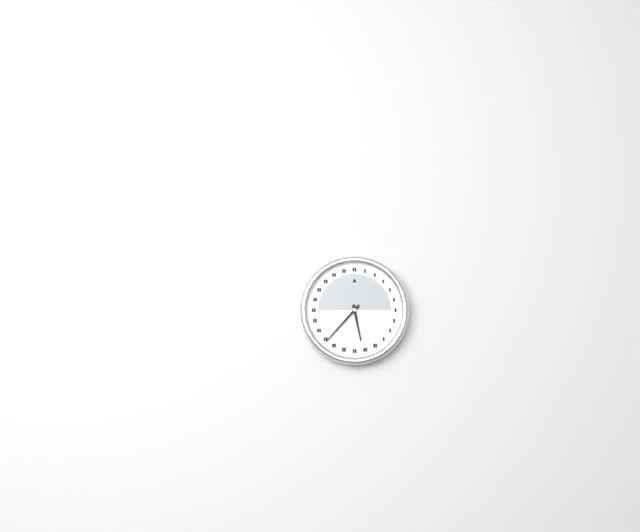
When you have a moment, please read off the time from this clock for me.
5:37
